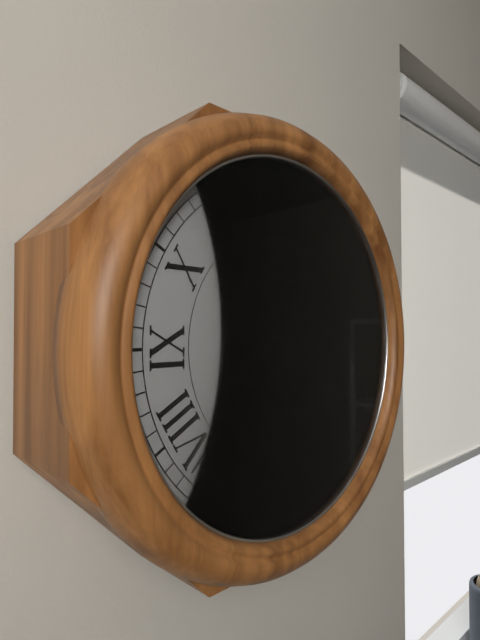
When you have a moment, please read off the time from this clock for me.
1:38
